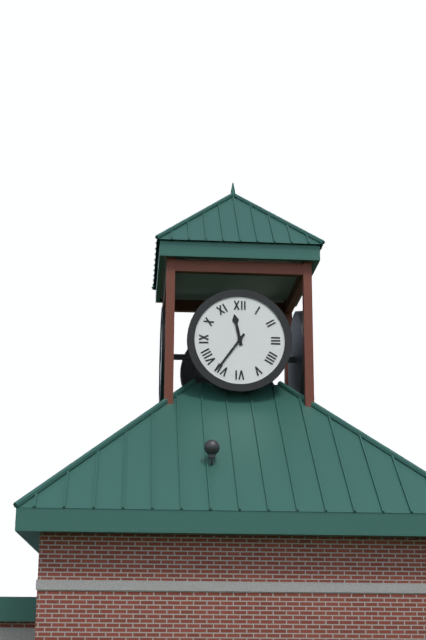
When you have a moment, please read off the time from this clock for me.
11:36
